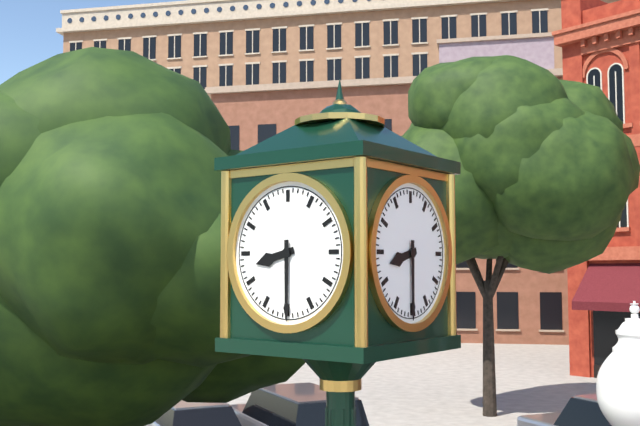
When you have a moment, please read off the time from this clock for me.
8:30
